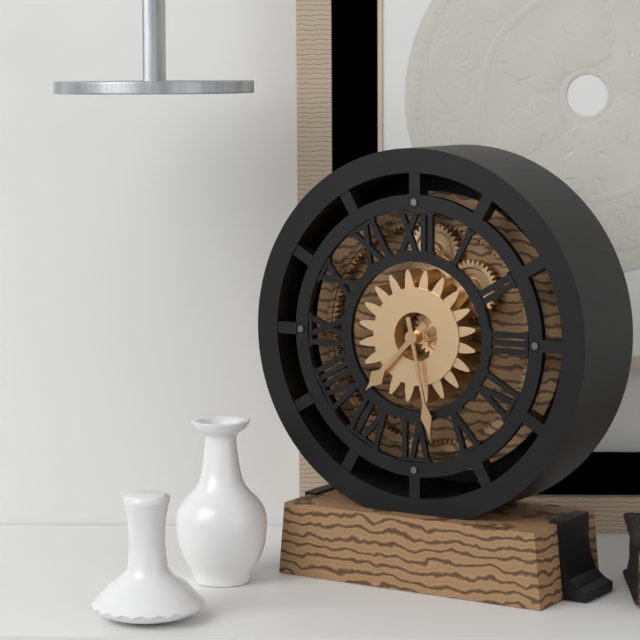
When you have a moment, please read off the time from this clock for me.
7:28
